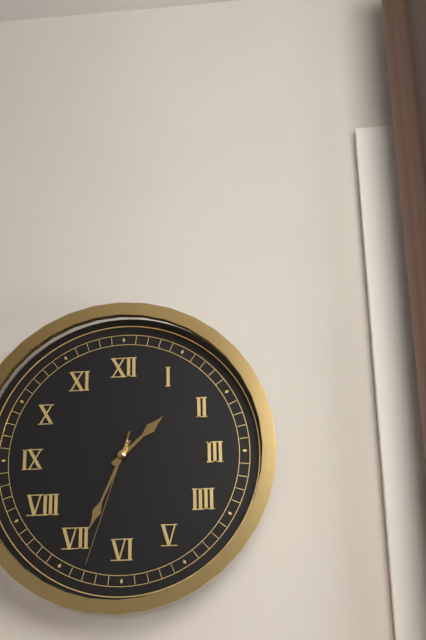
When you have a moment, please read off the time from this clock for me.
1:34:33
